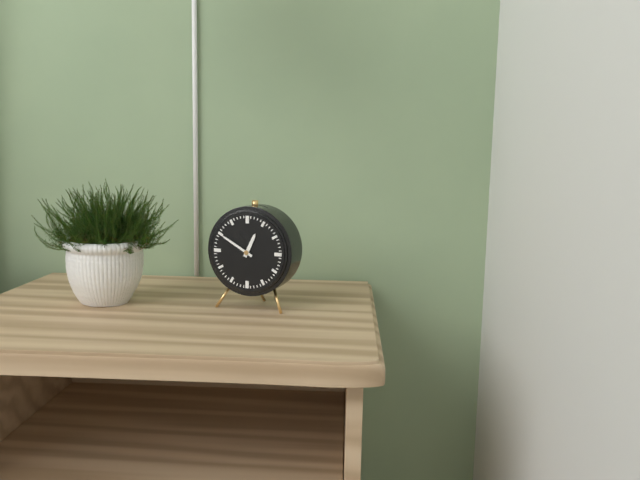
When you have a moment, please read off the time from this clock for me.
12:50
